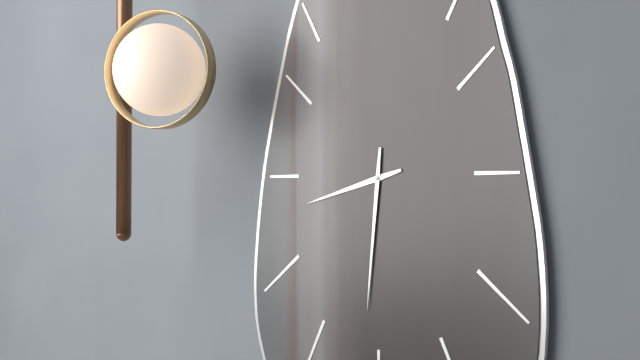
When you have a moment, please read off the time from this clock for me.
8:31
